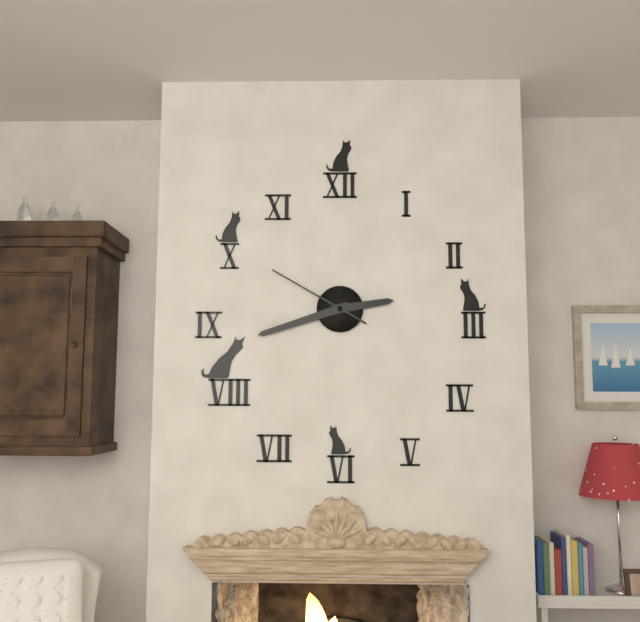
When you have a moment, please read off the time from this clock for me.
2:42:50
